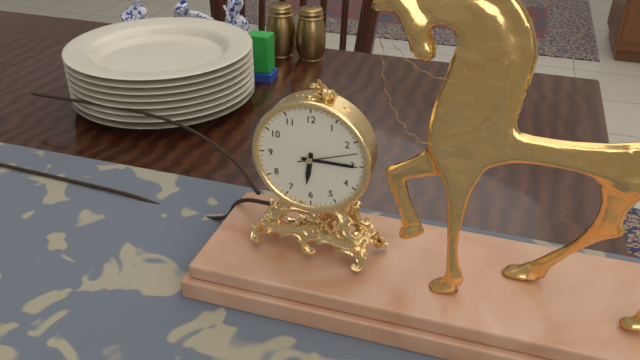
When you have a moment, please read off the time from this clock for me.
6:15:12
